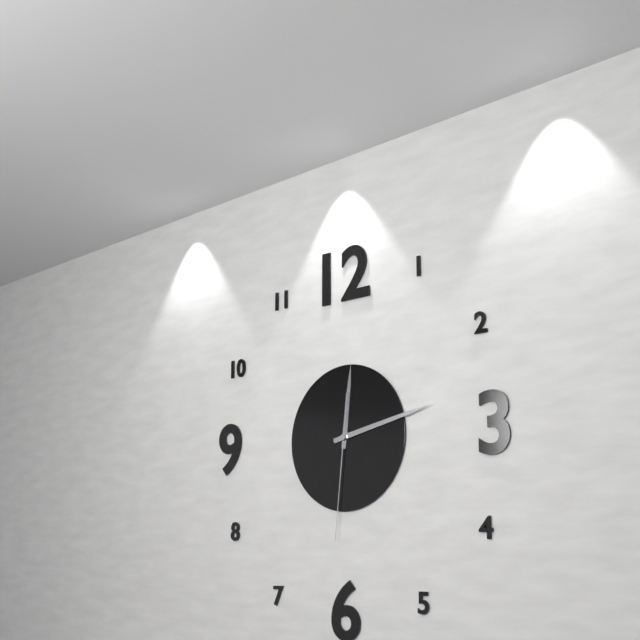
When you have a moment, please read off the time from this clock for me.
12:13:31
